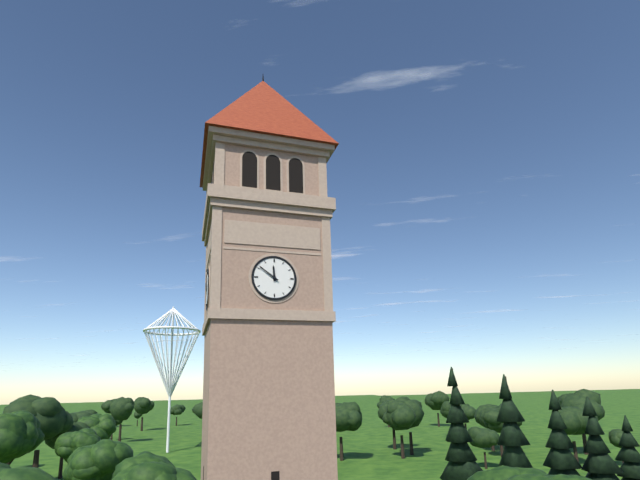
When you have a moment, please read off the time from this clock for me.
11:51
